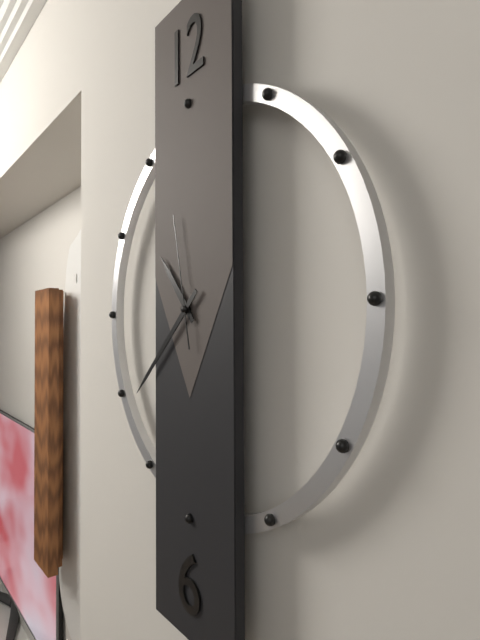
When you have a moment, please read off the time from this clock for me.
10:38:58
